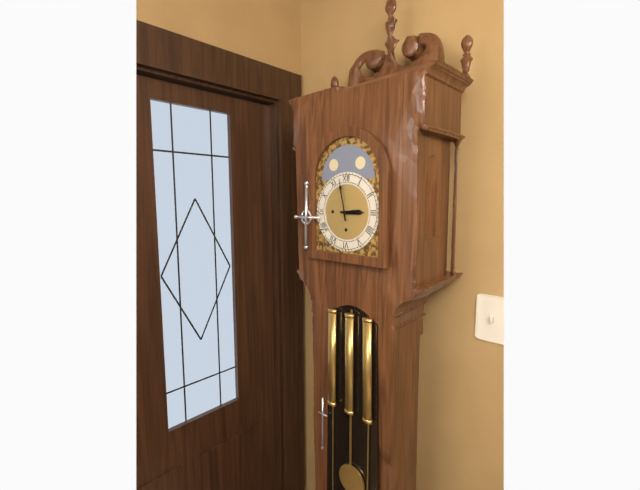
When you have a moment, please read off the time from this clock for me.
2:58
